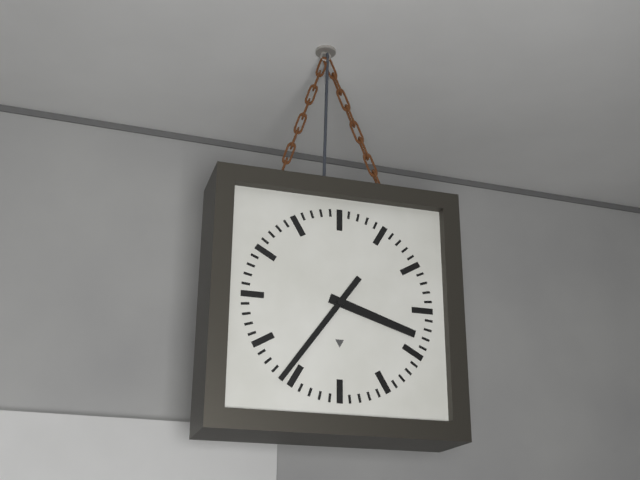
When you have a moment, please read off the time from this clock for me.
3:36
